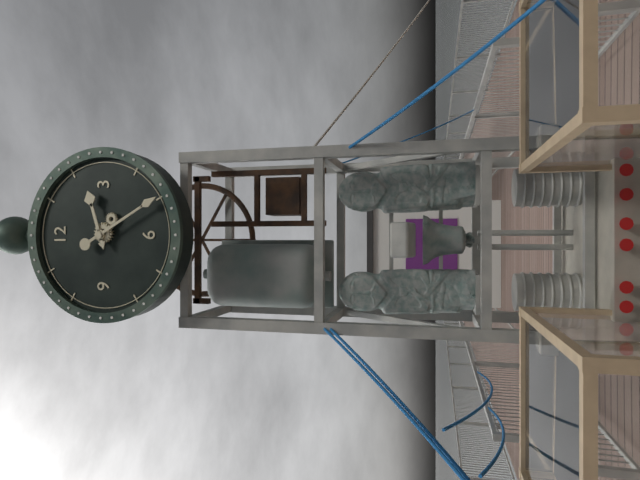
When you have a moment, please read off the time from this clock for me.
2:25
